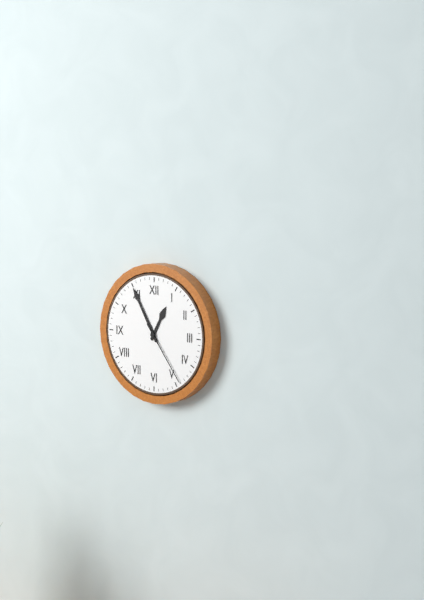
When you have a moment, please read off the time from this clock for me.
12:55:24
